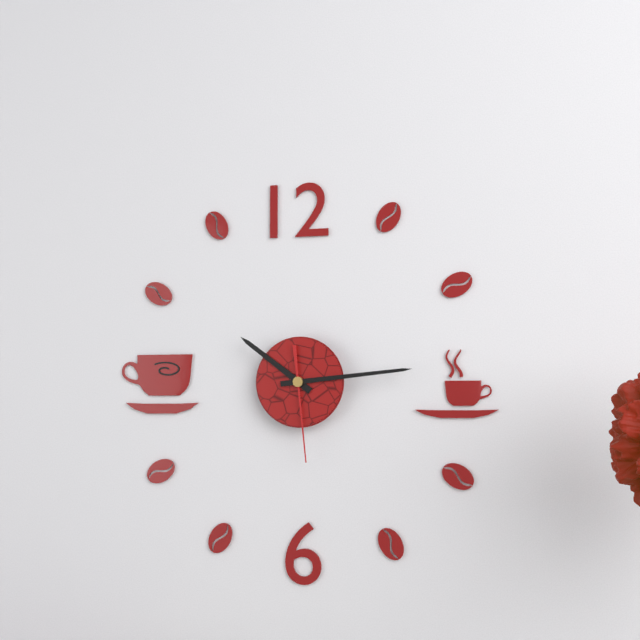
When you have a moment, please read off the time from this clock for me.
10:14:29
